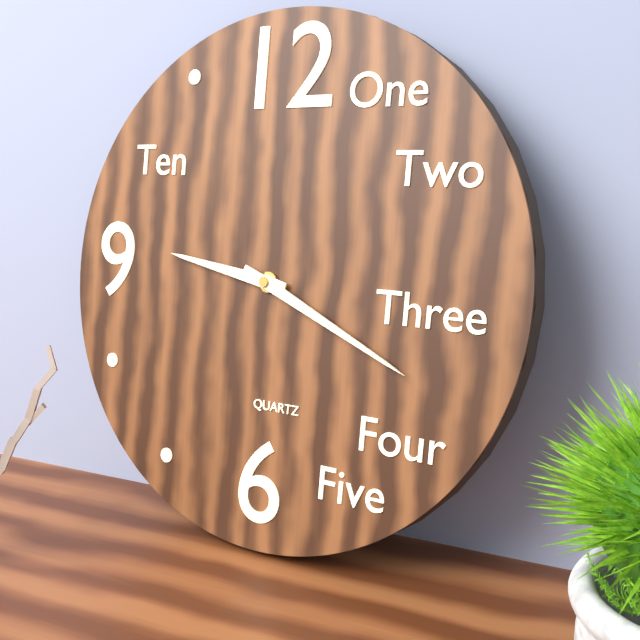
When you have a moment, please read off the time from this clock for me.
9:19
